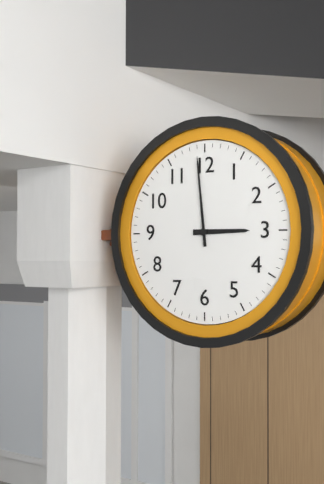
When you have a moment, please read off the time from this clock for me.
2:59
